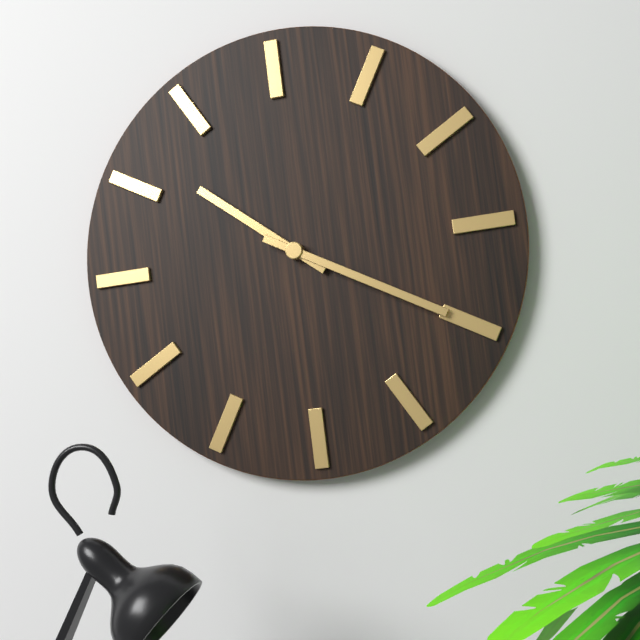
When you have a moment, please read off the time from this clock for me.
10:20
